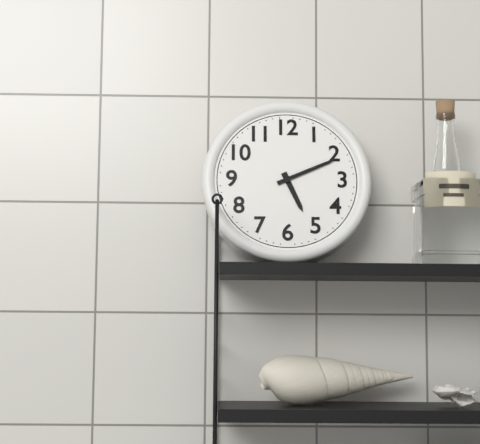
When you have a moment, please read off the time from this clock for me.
5:11
